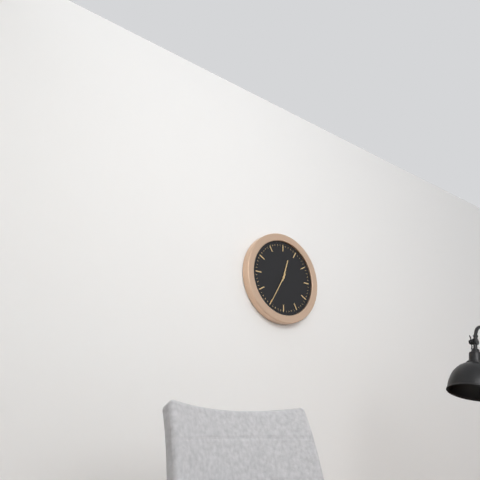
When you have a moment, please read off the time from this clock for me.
12:35
